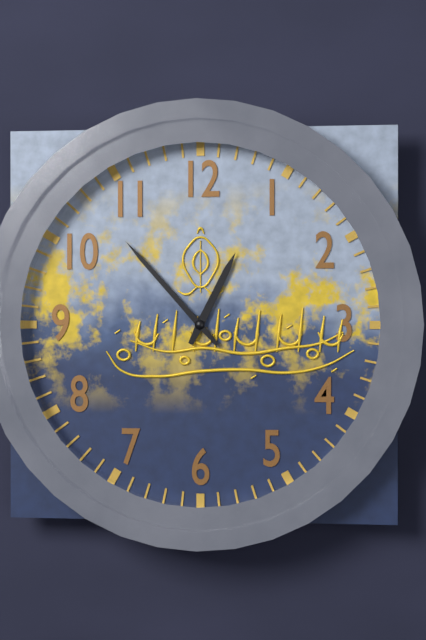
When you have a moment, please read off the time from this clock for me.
12:53
